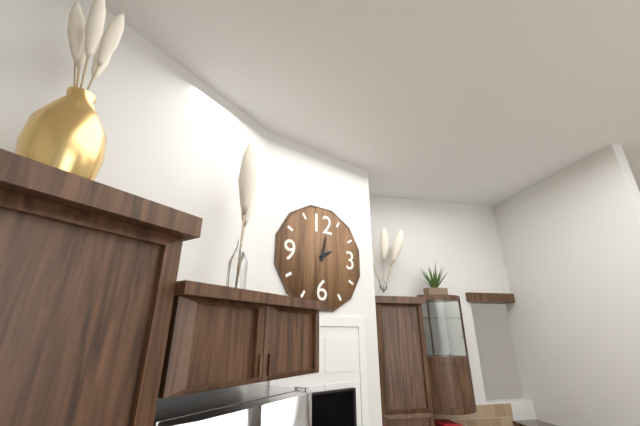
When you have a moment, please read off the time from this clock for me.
2:02
